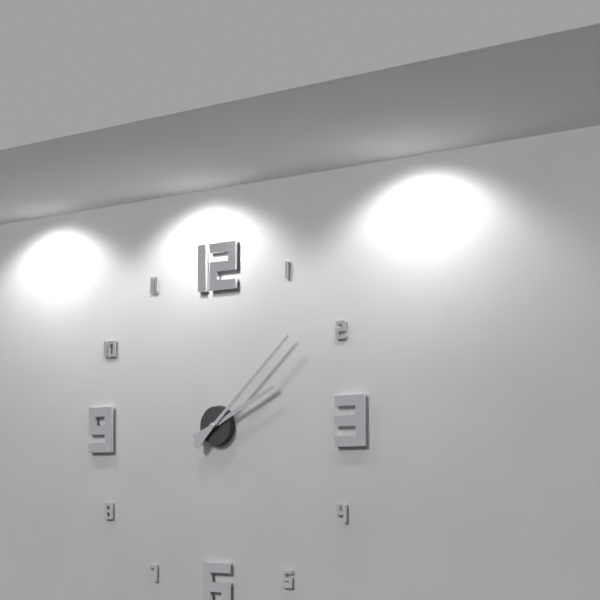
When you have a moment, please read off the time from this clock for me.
2:08
